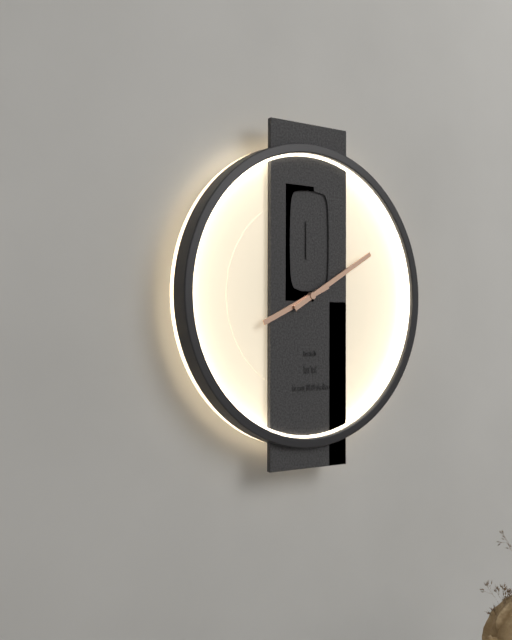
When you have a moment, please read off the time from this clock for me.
8:10
